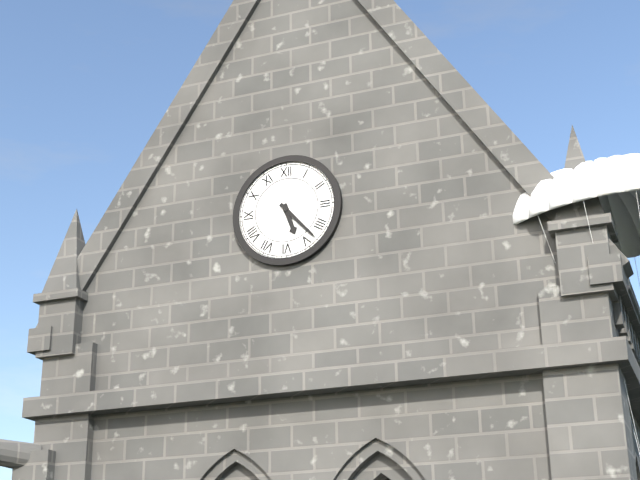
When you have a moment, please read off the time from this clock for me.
5:23
